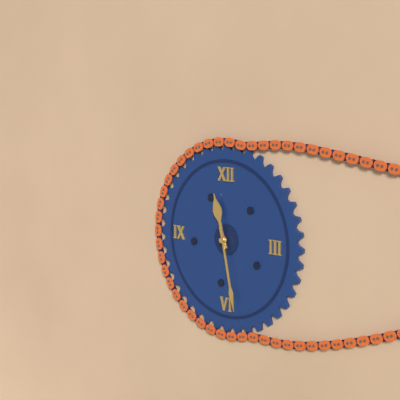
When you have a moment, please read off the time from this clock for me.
11:28
